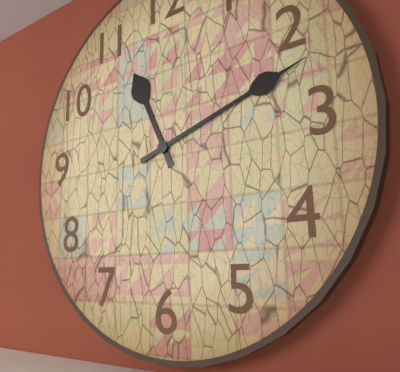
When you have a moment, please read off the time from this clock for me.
11:12
